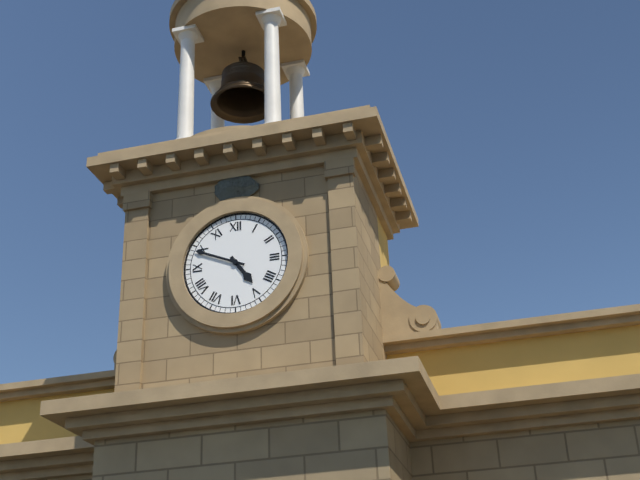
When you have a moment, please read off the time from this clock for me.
4:49
